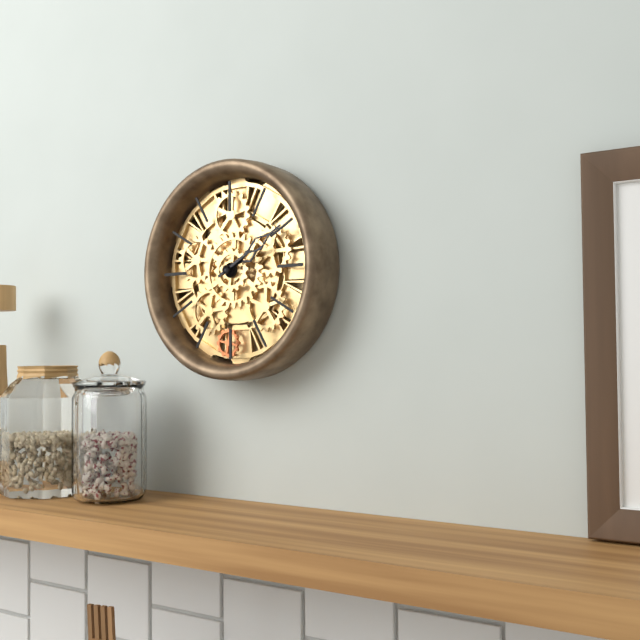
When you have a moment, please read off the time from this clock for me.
2:10
